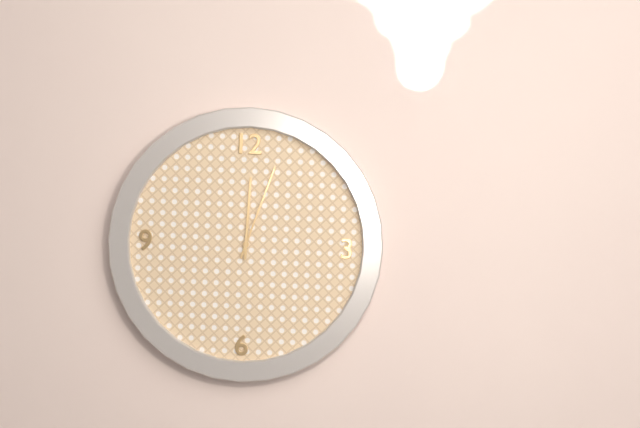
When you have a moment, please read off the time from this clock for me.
12:03
